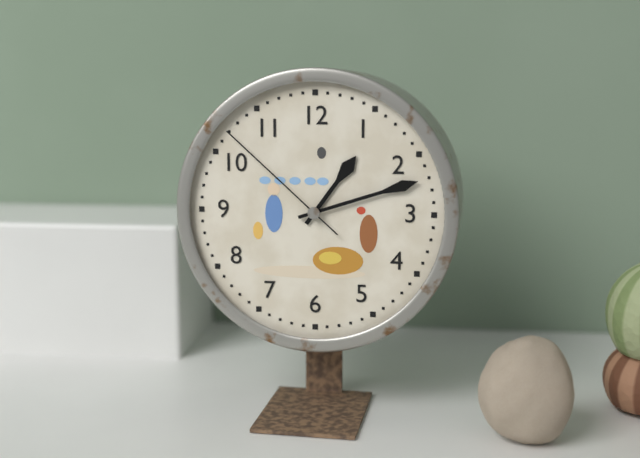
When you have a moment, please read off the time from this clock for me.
1:12:52
